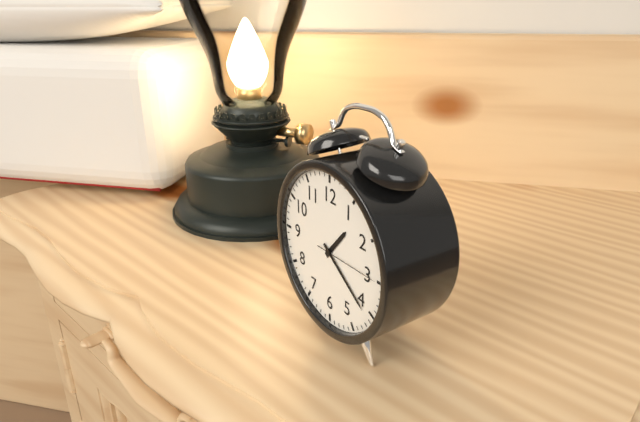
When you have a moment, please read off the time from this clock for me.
1:21:15
